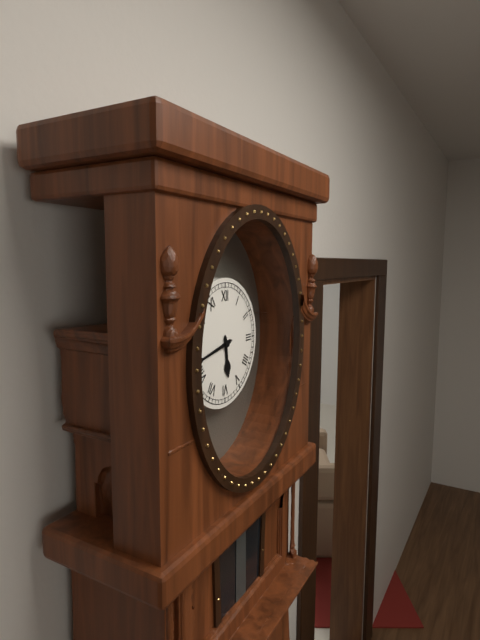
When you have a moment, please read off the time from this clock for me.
5:43
